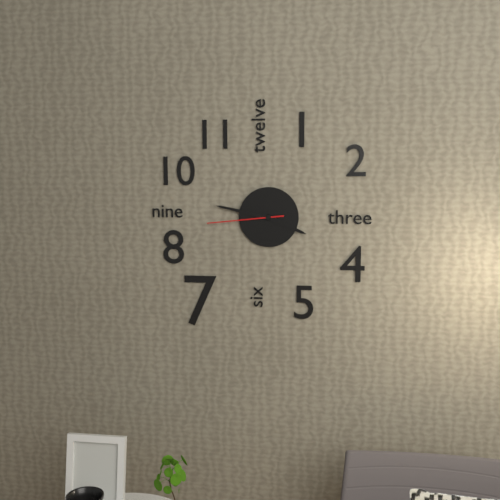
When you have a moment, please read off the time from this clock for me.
3:47:44
